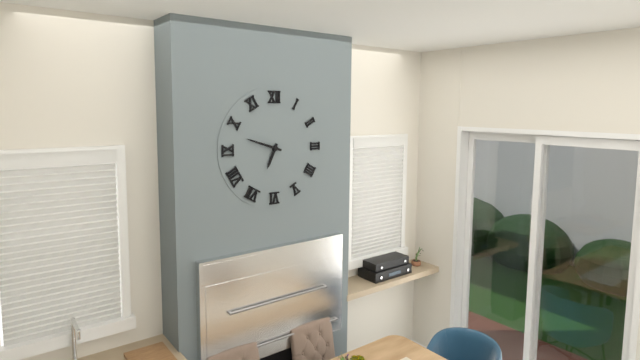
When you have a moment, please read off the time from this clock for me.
6:48
